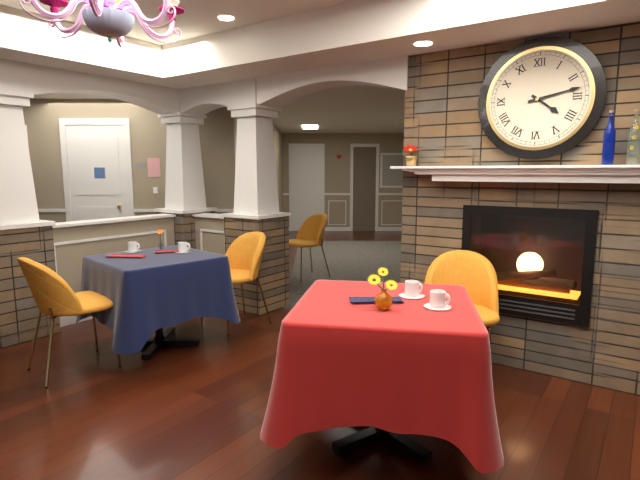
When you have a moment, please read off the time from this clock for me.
4:13
